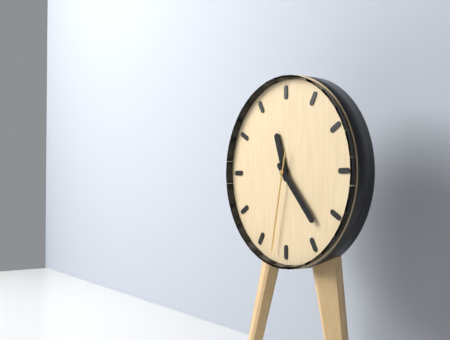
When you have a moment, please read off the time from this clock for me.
11:23:32
